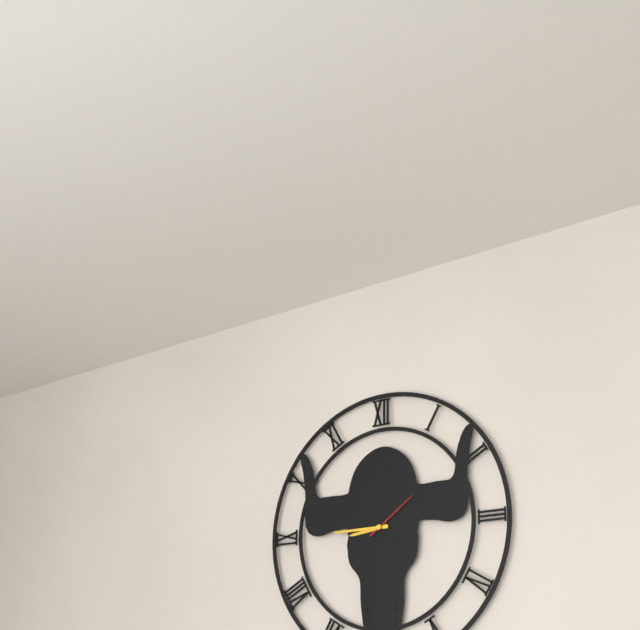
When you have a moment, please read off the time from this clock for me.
8:45:09
